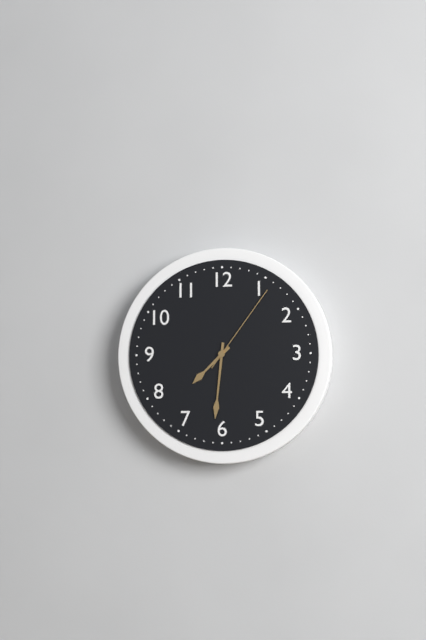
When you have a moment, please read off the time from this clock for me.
7:31:06
